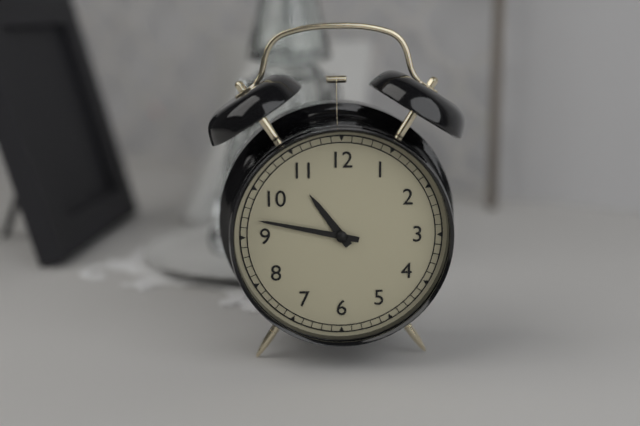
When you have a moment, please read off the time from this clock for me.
10:47
